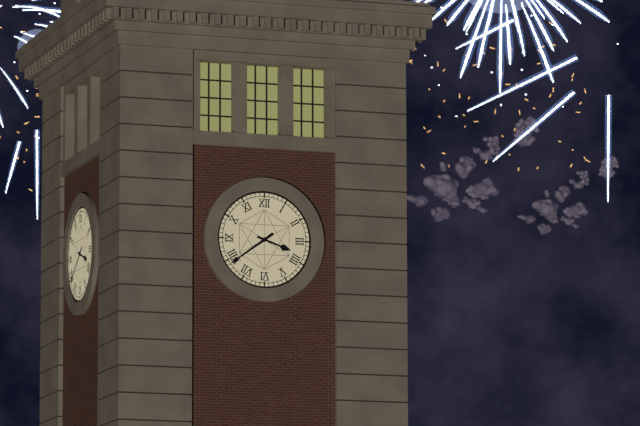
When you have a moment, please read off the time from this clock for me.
3:39
